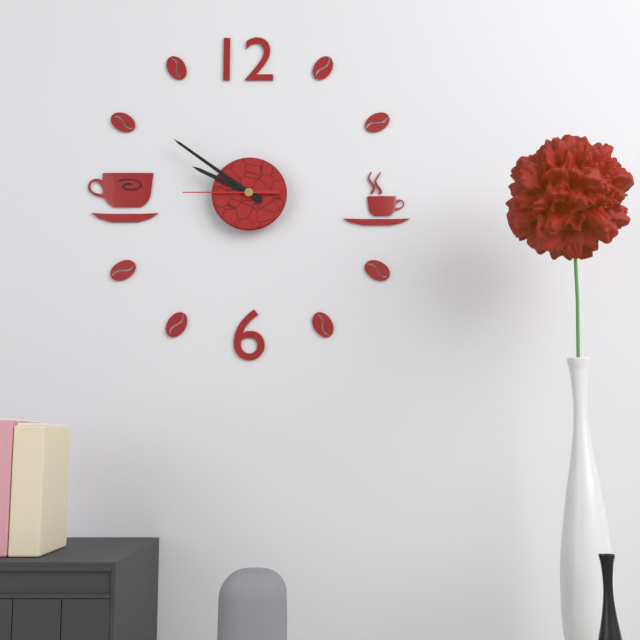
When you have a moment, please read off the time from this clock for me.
9:51:45
